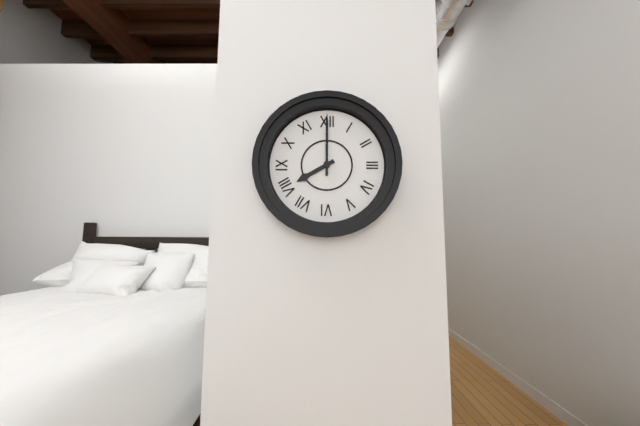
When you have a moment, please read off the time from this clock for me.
8:00
